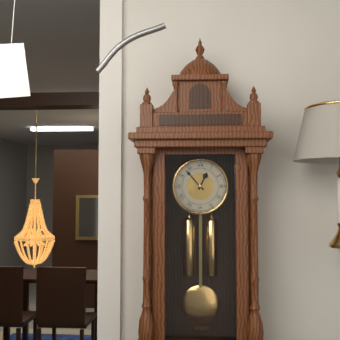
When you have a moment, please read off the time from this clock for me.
12:53
